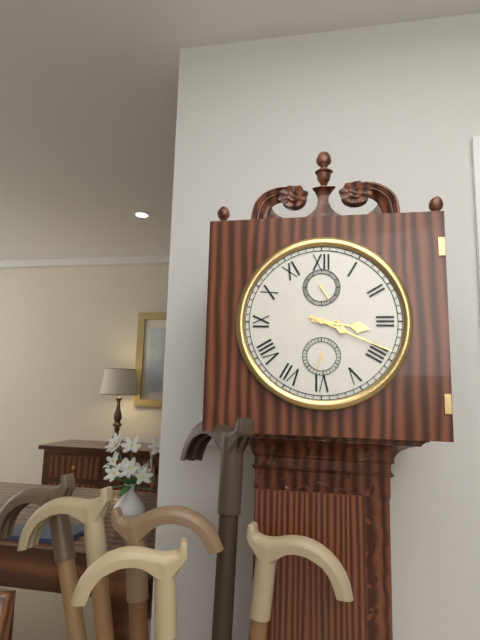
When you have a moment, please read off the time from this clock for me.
3:19
